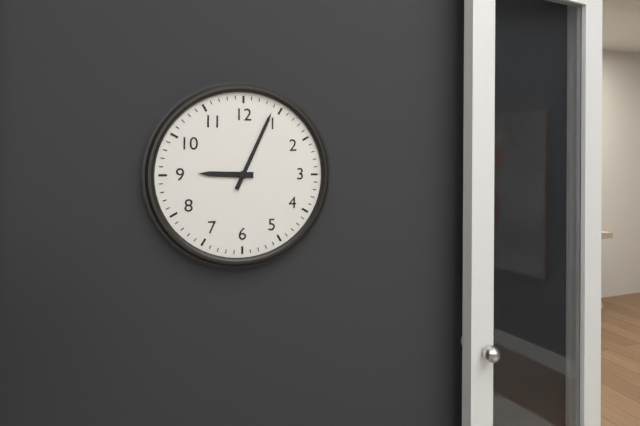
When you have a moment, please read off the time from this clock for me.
9:04
